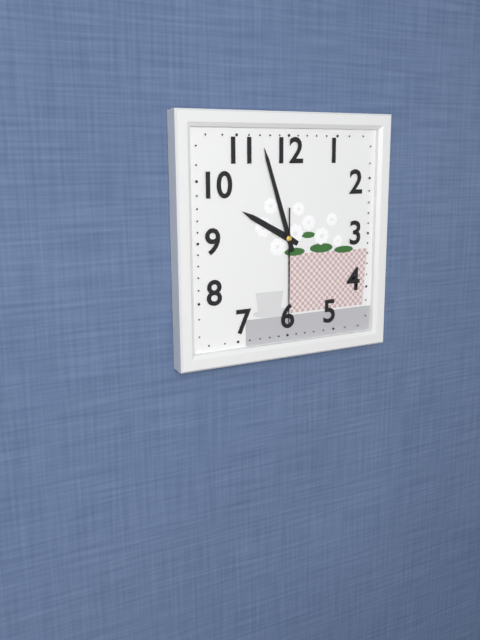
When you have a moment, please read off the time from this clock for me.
9:57:30
